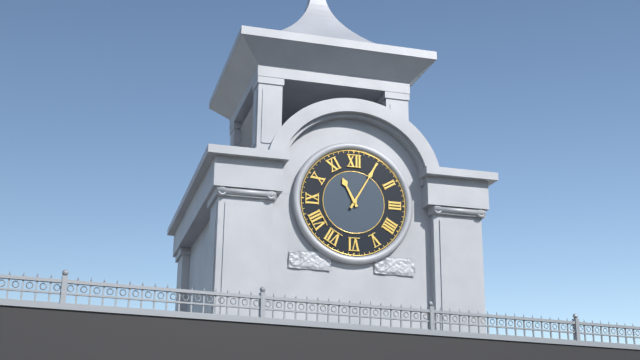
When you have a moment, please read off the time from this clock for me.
11:05
